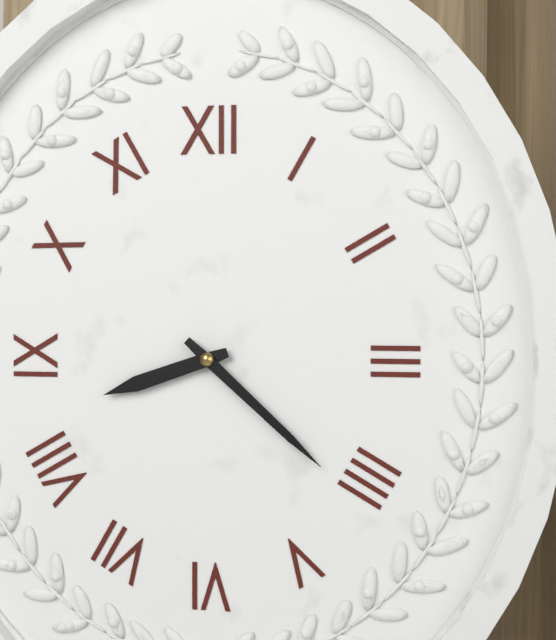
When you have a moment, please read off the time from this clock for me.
8:22
